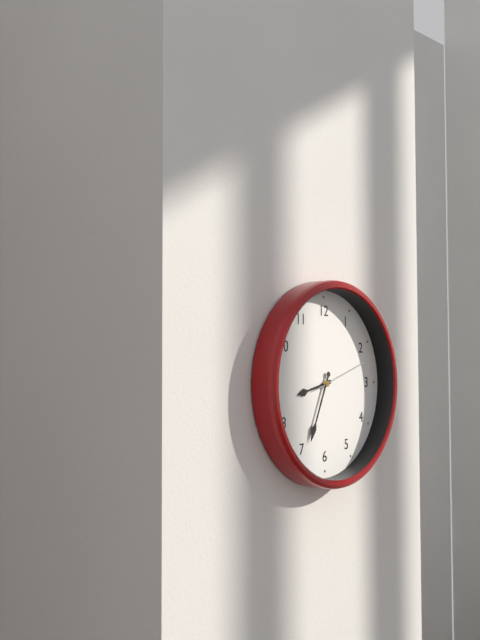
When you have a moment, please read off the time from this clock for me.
8:34:12
